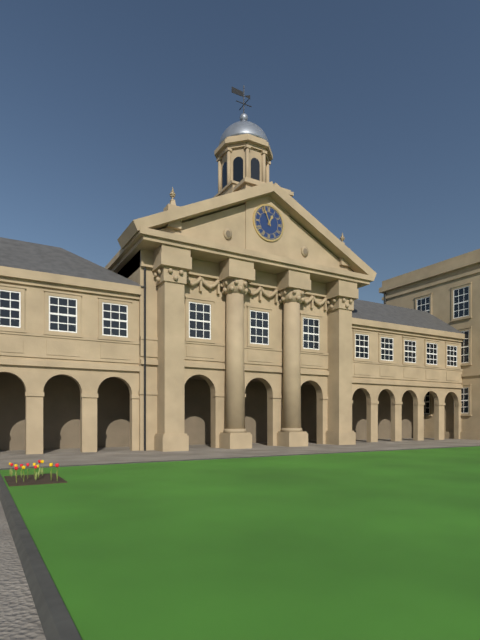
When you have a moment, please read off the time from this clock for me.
12:56
